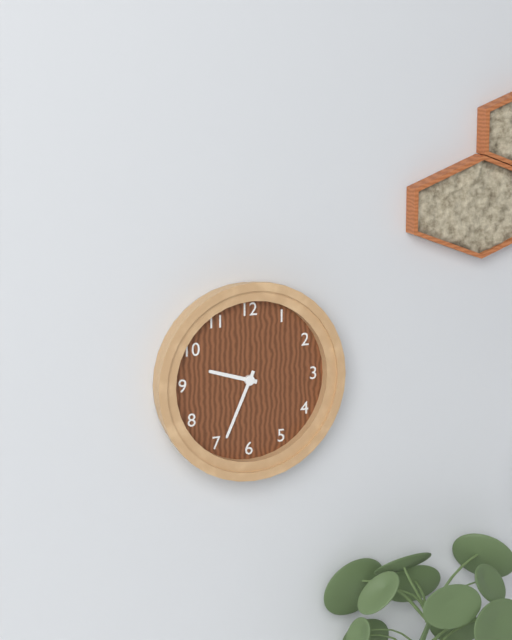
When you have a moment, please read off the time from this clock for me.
9:34
